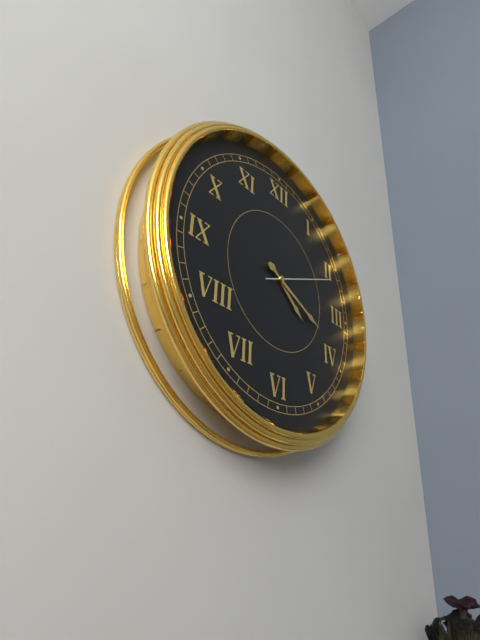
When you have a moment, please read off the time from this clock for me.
4:19:11
